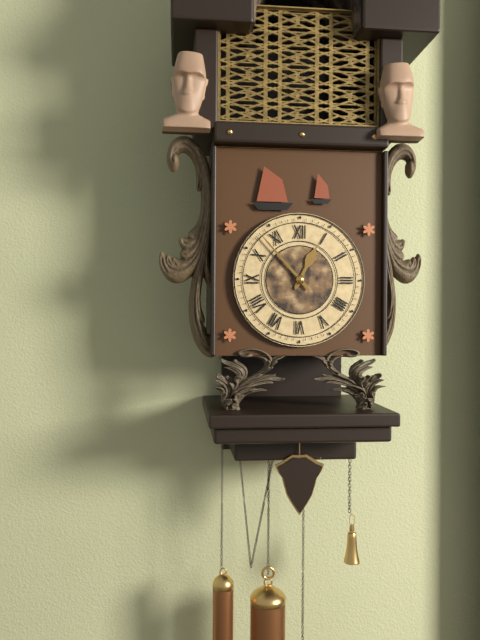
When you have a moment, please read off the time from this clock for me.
12:53
